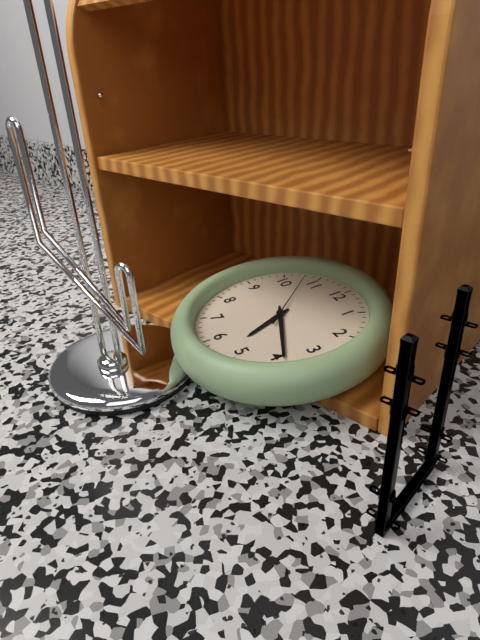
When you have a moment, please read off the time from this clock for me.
5:19:53
